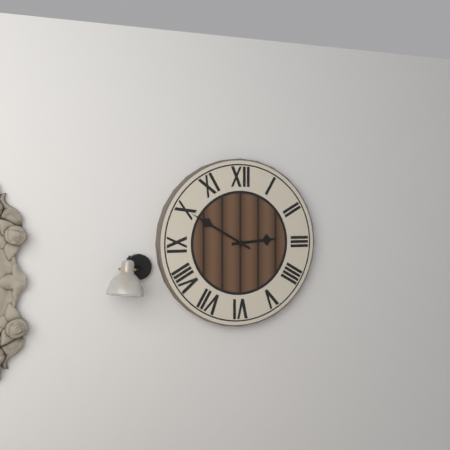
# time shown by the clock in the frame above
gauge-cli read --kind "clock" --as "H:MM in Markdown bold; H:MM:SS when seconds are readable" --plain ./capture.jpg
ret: **2:50**
